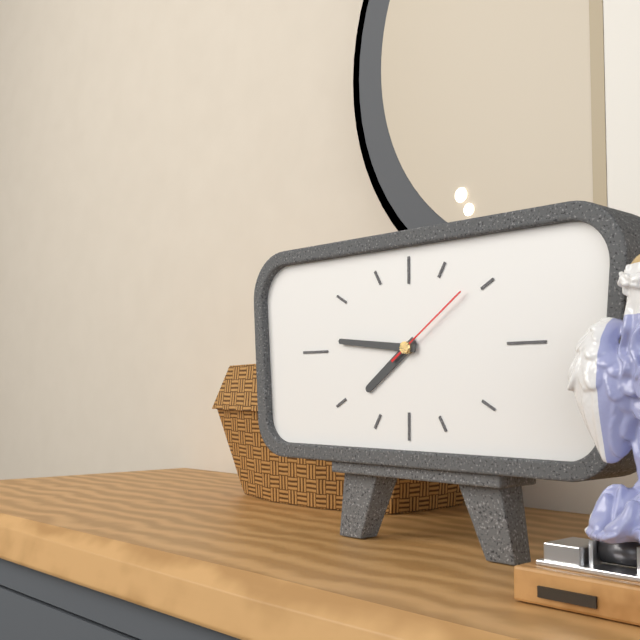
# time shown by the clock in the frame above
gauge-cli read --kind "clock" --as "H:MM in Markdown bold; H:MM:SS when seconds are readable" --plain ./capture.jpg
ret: **7:46:09**
